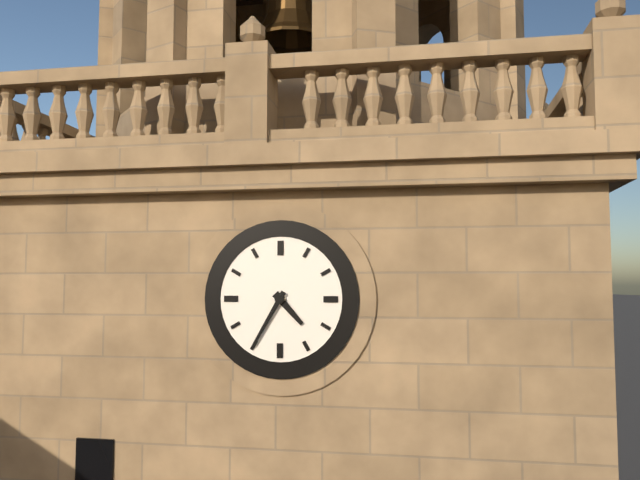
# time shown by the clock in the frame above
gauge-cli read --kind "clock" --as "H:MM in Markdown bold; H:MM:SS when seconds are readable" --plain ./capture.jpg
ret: **4:35**
